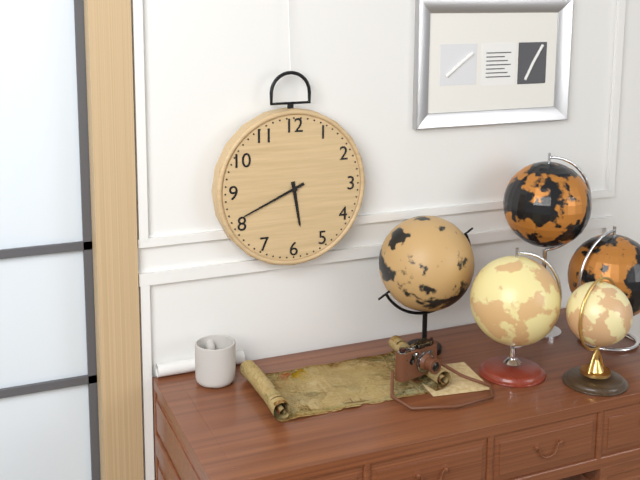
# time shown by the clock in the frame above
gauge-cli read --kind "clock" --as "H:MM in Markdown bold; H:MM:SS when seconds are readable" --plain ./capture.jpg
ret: **5:41**
